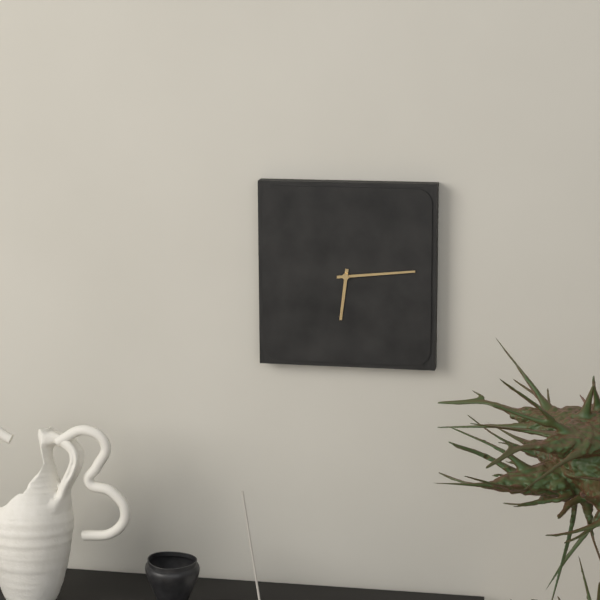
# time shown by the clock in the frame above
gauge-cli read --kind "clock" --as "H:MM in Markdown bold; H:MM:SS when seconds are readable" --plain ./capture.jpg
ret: **6:14**
